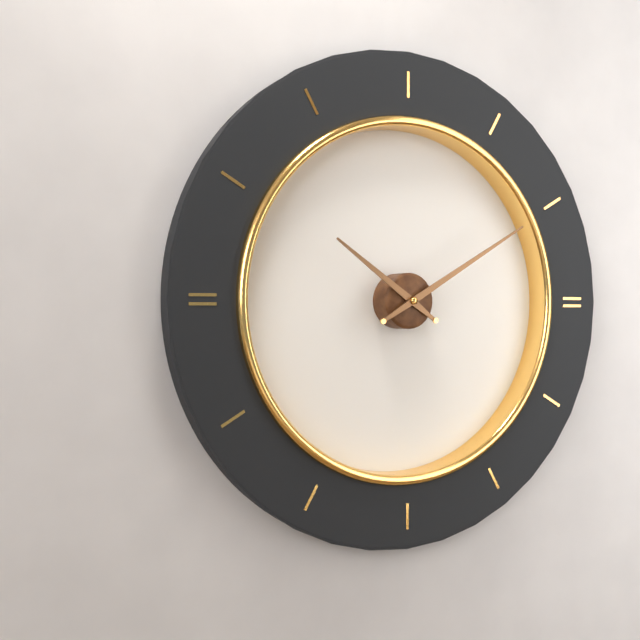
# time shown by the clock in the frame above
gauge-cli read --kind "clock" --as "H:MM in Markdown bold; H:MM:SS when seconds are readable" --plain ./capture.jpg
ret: **10:10**
